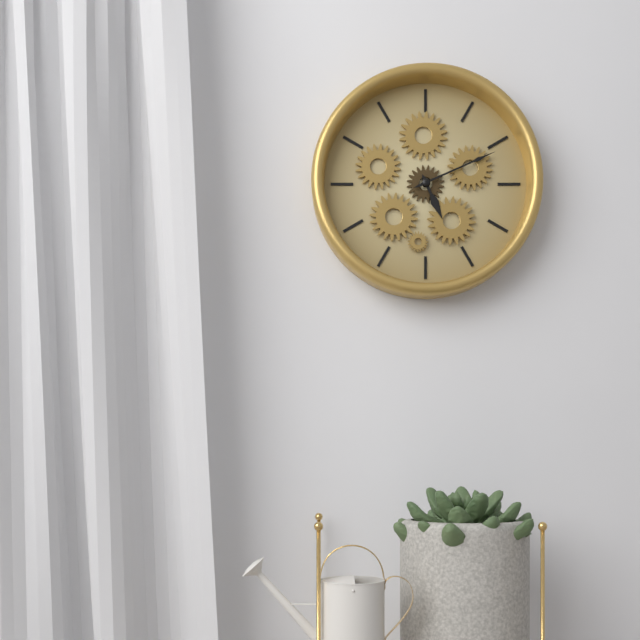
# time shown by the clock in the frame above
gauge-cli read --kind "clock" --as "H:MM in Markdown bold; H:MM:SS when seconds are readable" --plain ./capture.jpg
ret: **5:11**
